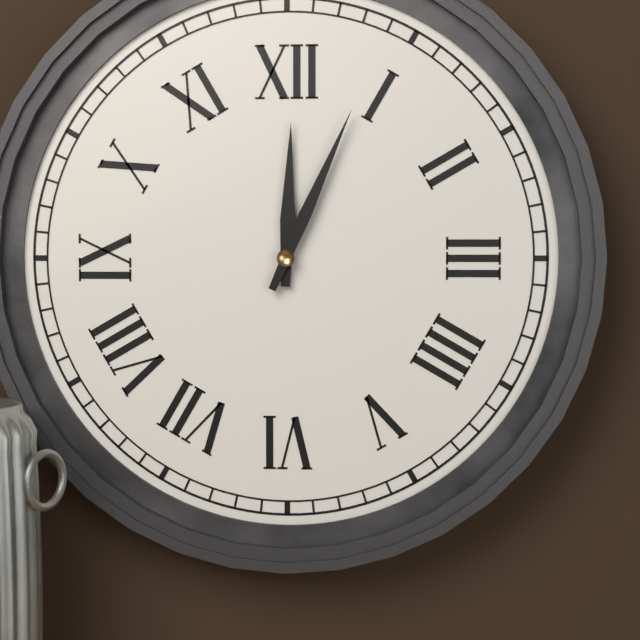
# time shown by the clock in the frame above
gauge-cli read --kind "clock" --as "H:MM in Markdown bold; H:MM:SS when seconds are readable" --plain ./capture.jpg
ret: **12:04**
